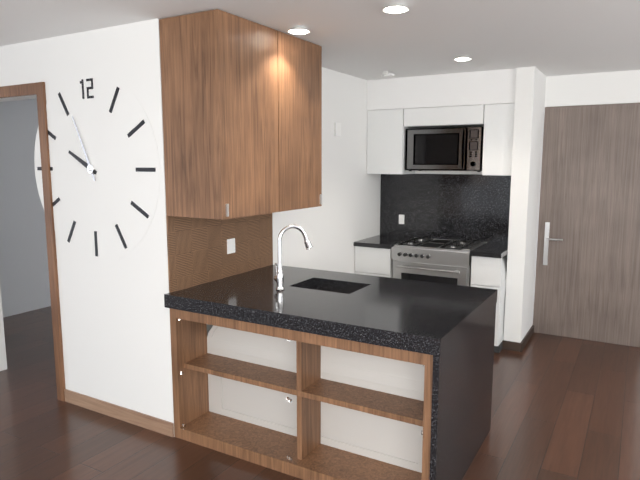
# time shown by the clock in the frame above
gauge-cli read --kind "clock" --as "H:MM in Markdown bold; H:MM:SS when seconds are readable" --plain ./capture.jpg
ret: **9:56**
